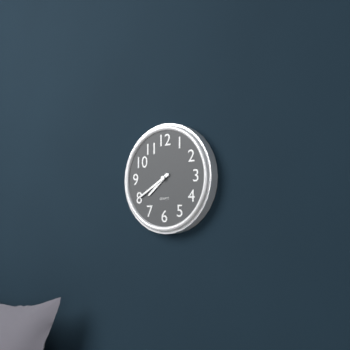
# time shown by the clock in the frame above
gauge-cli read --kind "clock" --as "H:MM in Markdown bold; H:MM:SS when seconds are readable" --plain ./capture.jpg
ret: **7:40**
